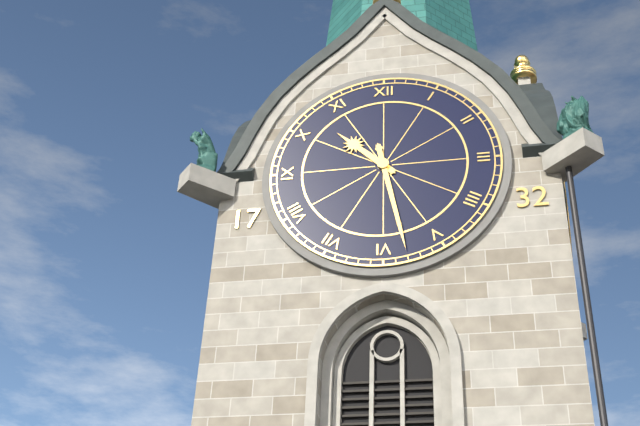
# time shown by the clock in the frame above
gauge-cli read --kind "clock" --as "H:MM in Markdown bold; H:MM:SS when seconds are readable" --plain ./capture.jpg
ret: **10:28**
